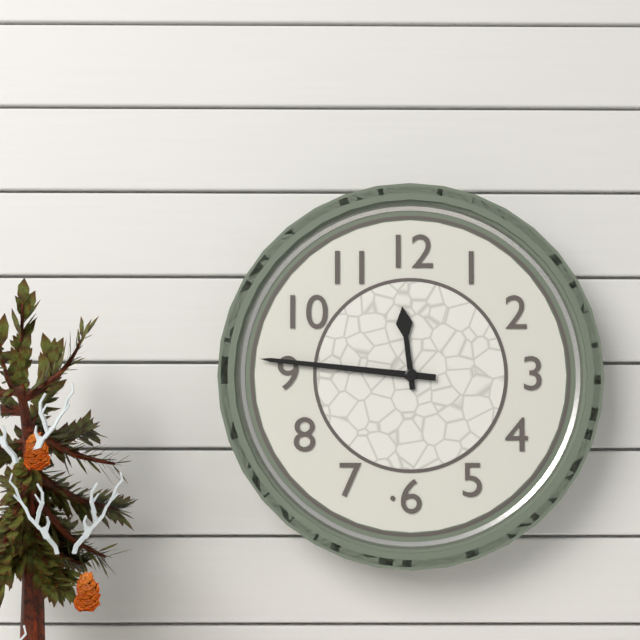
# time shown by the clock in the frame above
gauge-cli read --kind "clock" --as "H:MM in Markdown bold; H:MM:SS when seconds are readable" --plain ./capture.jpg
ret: **11:46**
